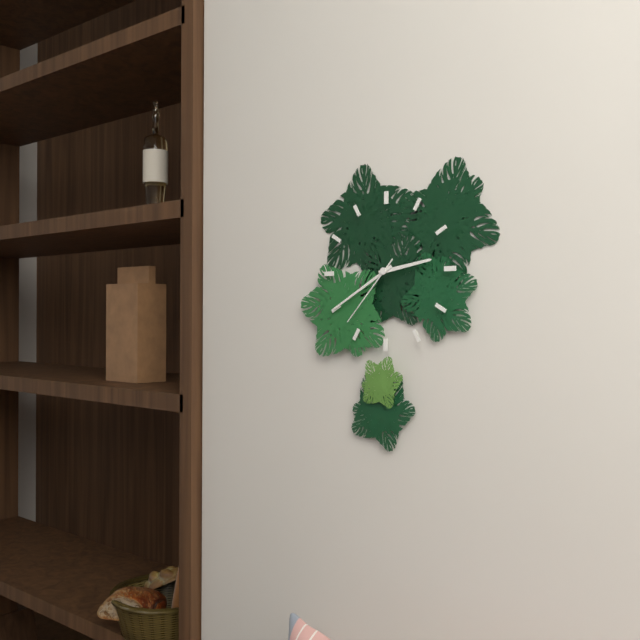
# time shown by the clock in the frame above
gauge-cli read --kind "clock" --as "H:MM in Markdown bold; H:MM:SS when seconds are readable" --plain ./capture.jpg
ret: **2:40:37**
